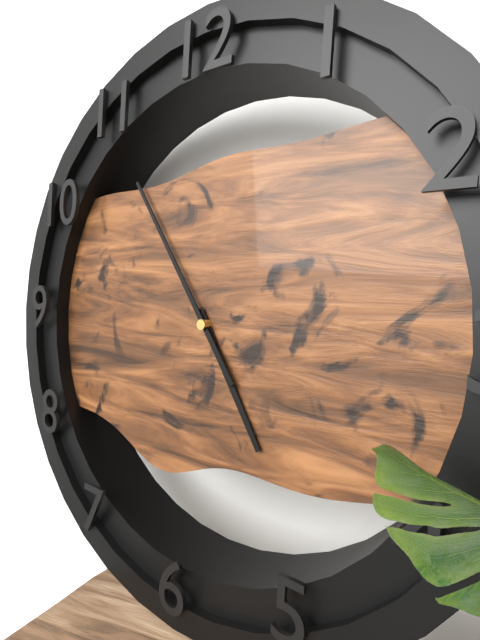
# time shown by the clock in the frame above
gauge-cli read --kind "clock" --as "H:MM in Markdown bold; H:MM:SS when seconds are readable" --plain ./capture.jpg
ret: **4:54**
